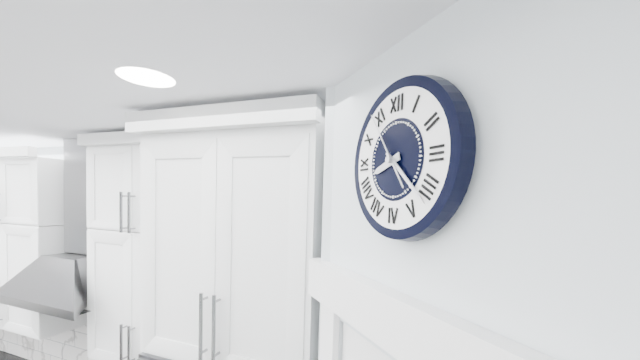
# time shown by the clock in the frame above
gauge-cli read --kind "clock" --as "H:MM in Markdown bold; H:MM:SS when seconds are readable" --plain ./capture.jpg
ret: **8:22:54**
